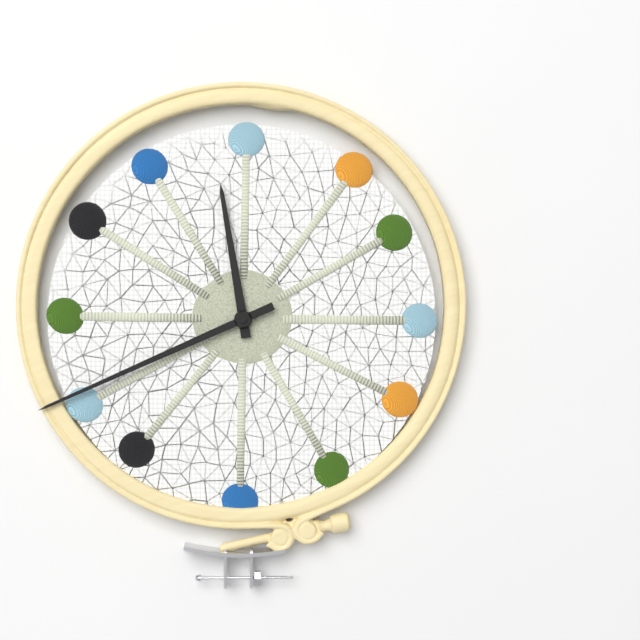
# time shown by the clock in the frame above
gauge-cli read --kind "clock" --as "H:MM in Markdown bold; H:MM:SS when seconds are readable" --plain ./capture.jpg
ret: **11:41**
